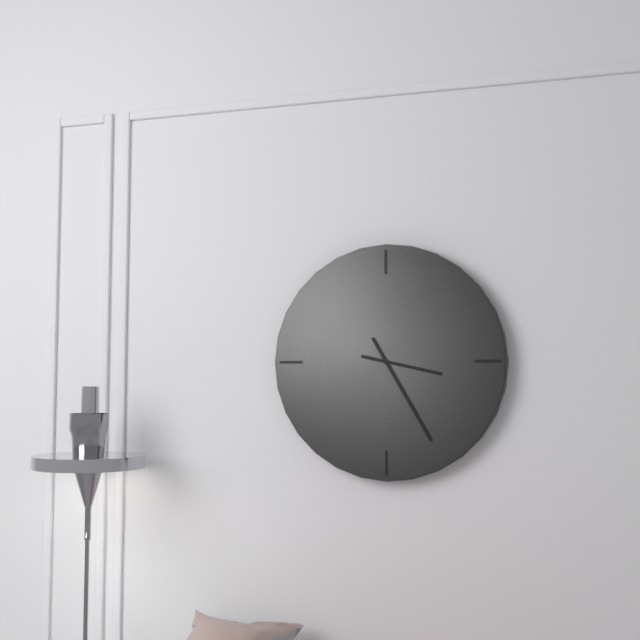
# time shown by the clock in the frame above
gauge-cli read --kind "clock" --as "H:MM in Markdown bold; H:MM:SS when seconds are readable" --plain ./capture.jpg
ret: **3:25**
